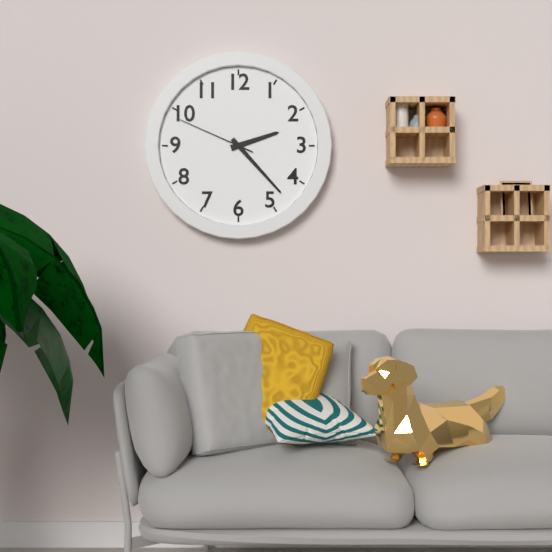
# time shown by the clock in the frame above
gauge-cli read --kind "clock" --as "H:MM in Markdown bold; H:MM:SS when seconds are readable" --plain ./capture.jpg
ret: **2:23:49**
